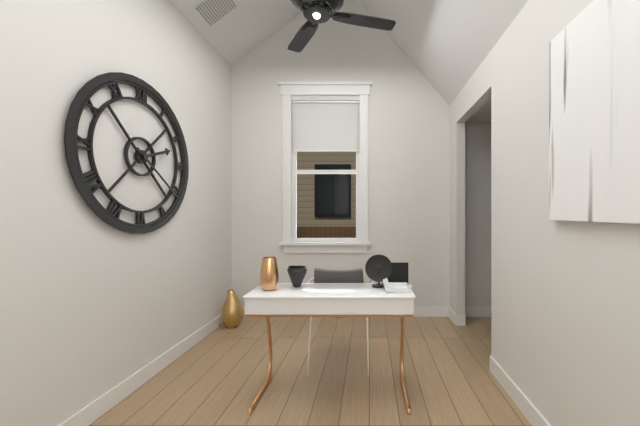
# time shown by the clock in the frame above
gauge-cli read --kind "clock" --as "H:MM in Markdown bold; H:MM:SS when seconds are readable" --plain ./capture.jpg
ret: **2:21**
